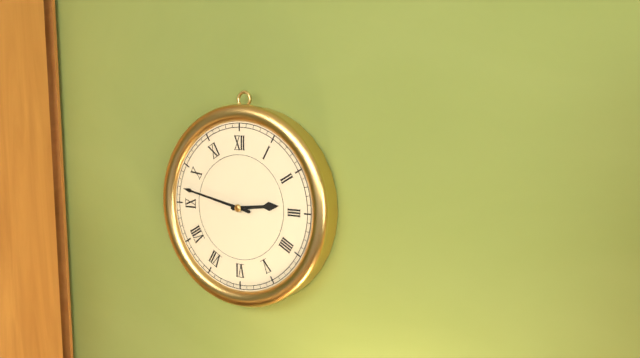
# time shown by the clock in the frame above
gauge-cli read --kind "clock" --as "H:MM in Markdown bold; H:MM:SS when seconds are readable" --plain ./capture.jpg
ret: **2:47**
